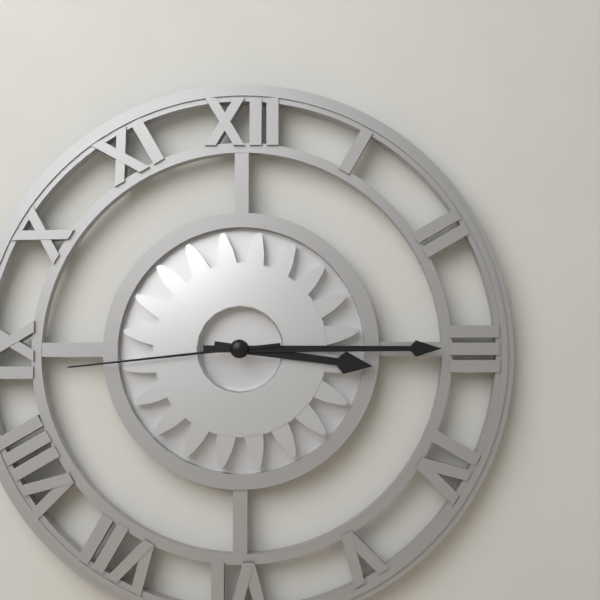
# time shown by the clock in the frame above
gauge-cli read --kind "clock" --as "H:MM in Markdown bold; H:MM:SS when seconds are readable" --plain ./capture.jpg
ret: **3:15:44**
